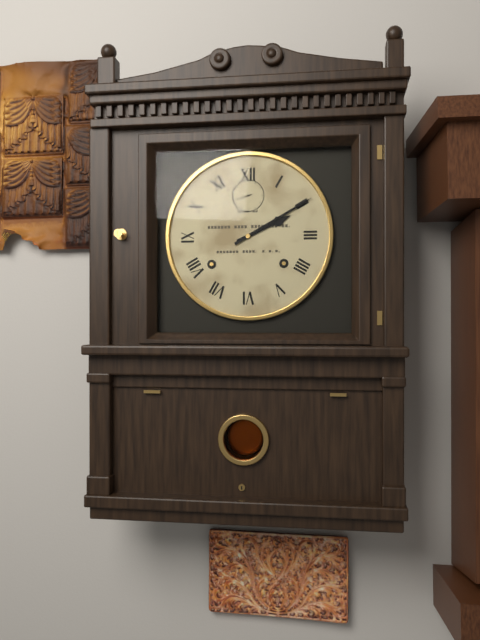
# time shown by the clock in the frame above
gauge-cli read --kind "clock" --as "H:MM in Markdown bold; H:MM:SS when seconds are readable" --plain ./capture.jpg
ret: **2:10**
